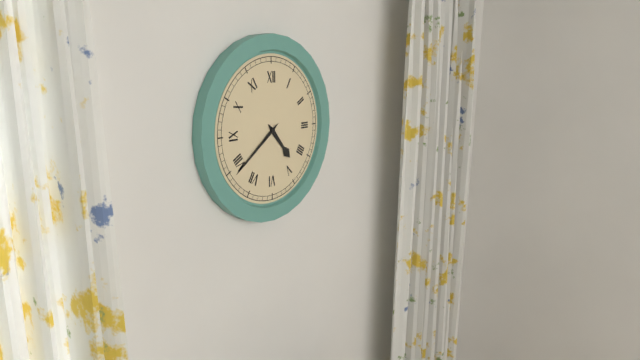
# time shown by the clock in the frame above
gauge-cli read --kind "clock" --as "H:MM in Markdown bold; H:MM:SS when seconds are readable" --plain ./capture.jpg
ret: **4:39**
